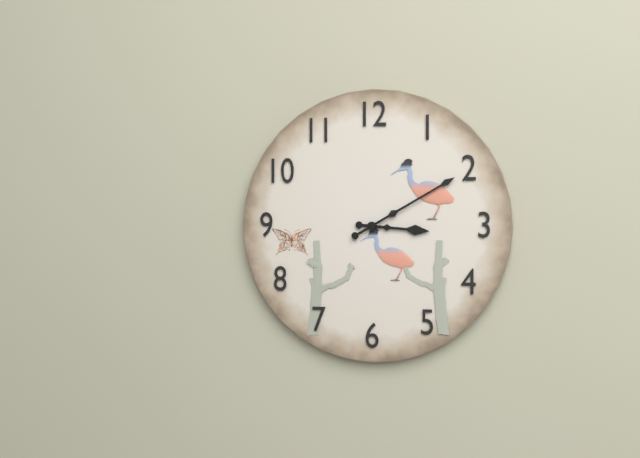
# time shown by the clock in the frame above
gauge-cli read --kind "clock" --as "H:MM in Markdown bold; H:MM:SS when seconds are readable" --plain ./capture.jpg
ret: **3:10**
